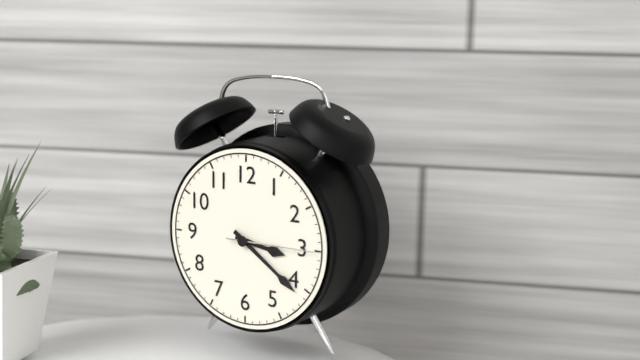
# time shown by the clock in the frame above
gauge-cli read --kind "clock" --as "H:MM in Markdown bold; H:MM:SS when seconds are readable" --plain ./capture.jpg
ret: **3:21:15**
